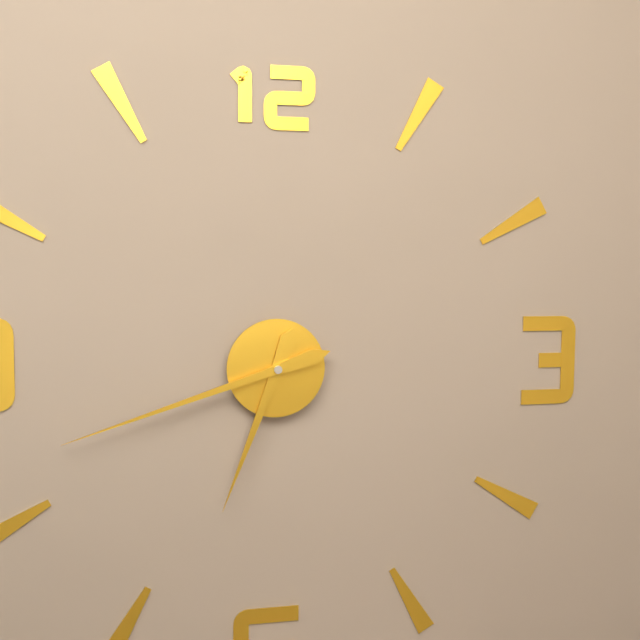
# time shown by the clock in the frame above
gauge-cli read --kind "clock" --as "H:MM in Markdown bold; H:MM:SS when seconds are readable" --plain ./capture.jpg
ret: **6:42**
